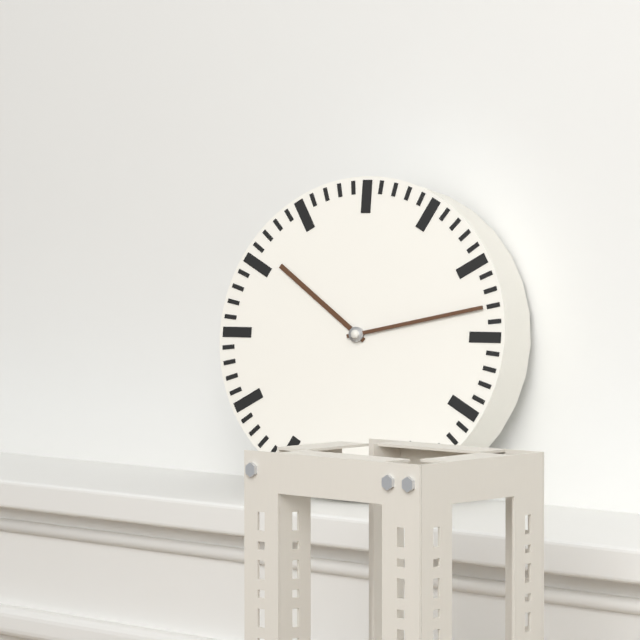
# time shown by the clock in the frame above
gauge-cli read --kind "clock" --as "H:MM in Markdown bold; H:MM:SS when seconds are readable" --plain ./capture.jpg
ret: **10:13**
